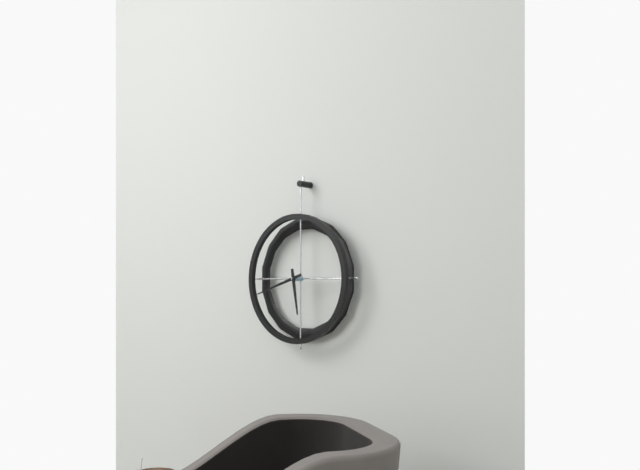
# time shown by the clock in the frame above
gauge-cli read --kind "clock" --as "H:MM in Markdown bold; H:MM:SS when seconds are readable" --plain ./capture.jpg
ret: **5:42**
